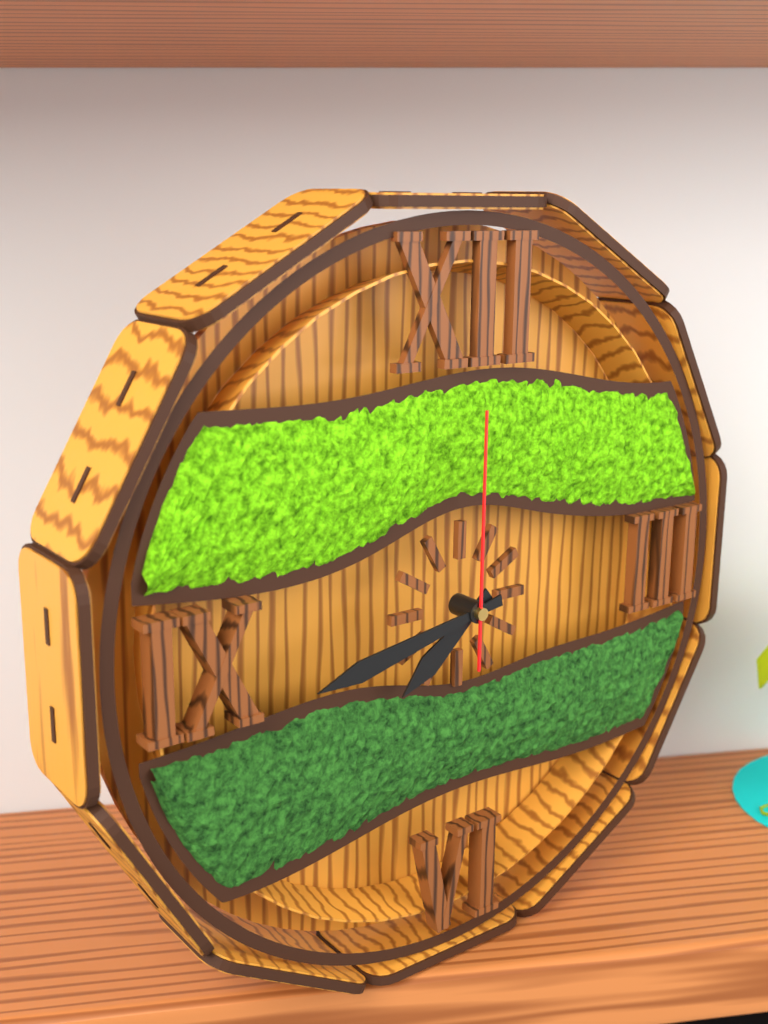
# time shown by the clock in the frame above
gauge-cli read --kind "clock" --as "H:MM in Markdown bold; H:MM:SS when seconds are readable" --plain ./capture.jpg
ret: **7:43:00**
